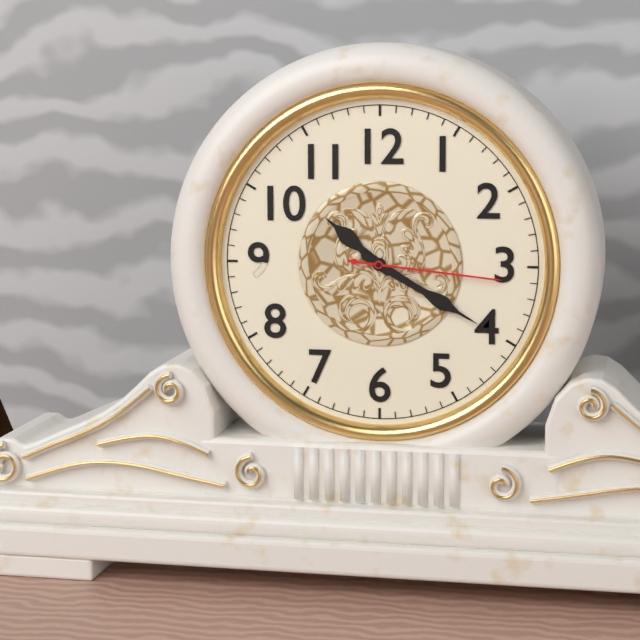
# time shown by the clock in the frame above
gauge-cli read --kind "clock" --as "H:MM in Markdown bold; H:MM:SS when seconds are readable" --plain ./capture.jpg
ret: **10:20:16**
